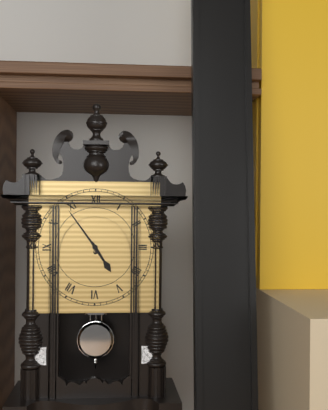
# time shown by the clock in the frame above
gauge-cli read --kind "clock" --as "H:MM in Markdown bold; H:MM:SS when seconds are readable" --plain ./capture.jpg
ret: **4:54**
